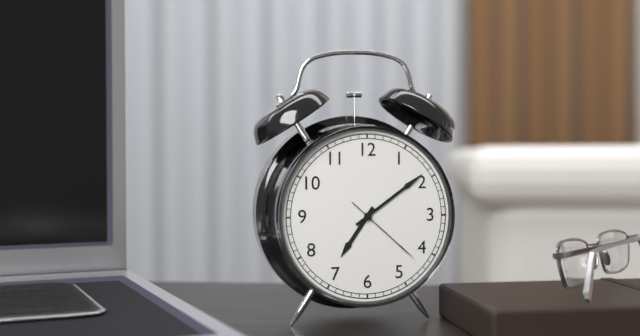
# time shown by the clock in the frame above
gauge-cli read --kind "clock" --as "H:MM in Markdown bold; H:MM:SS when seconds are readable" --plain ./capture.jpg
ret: **7:09:22**
